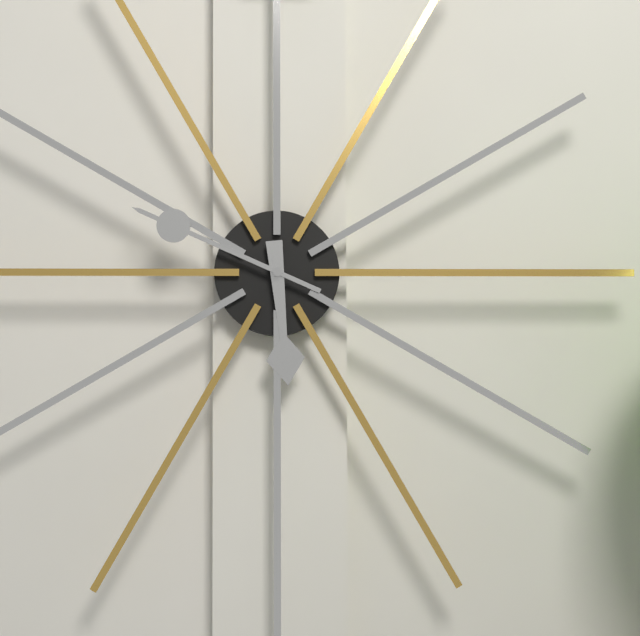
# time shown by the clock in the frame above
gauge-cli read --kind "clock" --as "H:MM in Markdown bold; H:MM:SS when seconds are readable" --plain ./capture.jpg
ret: **5:49**
